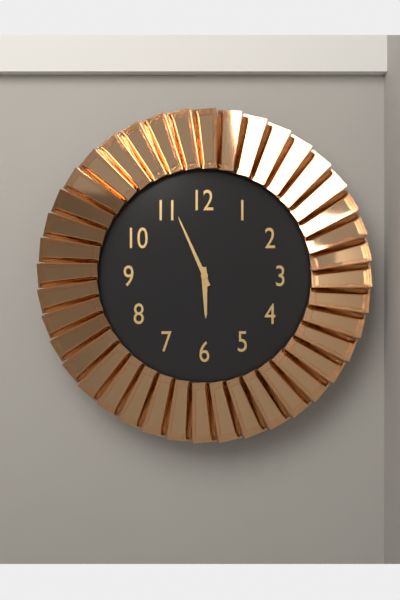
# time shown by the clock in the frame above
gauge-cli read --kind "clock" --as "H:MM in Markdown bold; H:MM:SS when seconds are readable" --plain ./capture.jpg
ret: **5:56**
